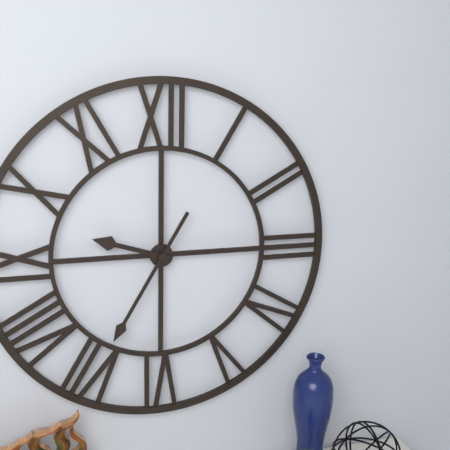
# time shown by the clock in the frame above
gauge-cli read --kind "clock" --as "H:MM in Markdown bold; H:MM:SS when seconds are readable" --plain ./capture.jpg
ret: **9:35**
